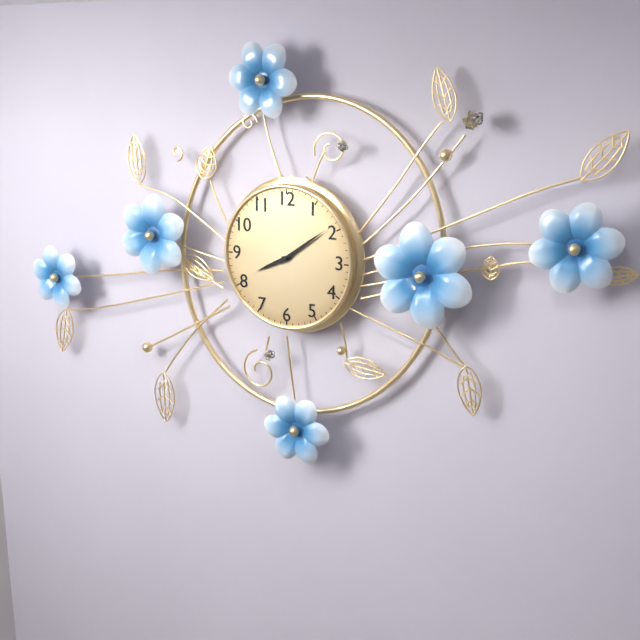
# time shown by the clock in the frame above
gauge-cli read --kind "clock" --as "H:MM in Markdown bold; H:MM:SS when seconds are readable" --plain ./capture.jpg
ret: **8:09**
